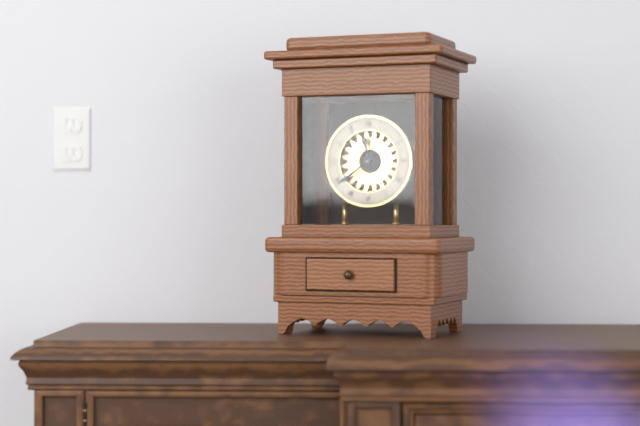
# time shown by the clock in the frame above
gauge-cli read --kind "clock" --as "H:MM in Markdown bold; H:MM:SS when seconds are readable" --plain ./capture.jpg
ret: **11:39**
